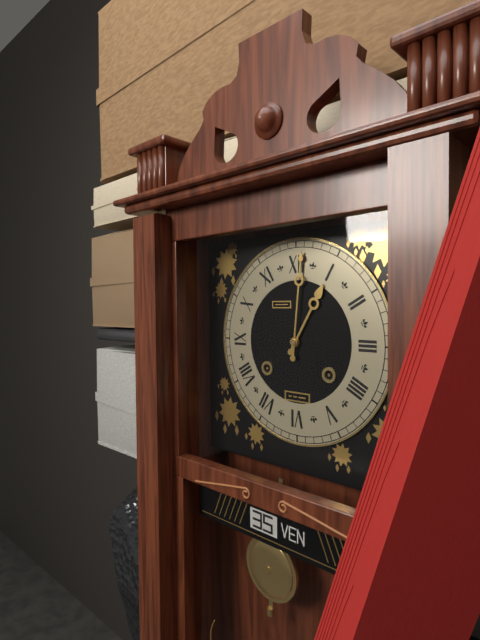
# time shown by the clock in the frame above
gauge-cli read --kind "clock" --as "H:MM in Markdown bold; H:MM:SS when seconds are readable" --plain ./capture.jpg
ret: **1:01**
